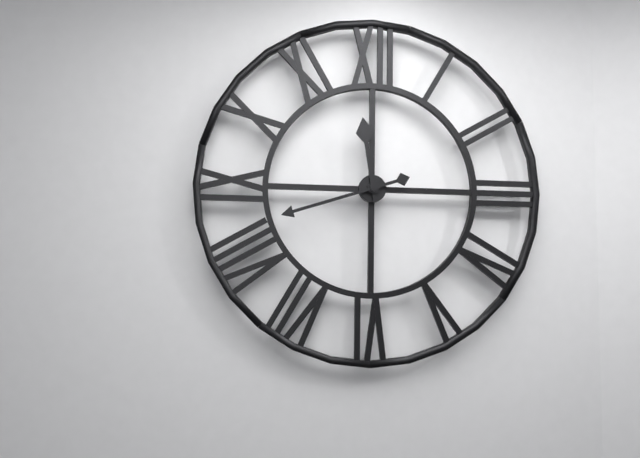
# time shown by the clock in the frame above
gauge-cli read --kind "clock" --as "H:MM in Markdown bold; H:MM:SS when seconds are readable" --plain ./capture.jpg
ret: **11:42**
